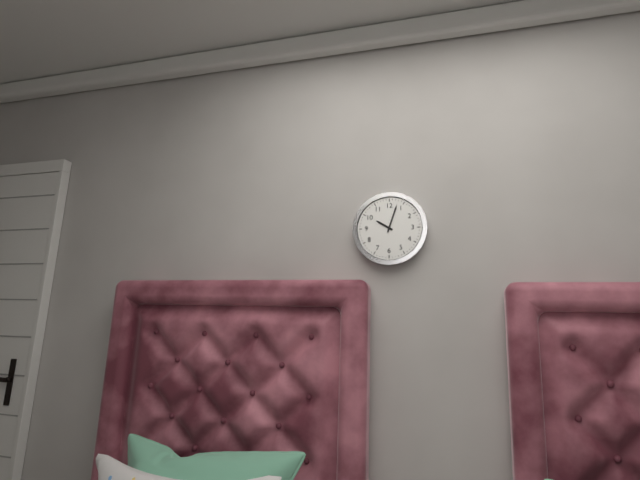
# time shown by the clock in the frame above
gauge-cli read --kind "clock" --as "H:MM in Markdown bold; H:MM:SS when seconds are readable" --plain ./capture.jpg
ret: **10:03**
